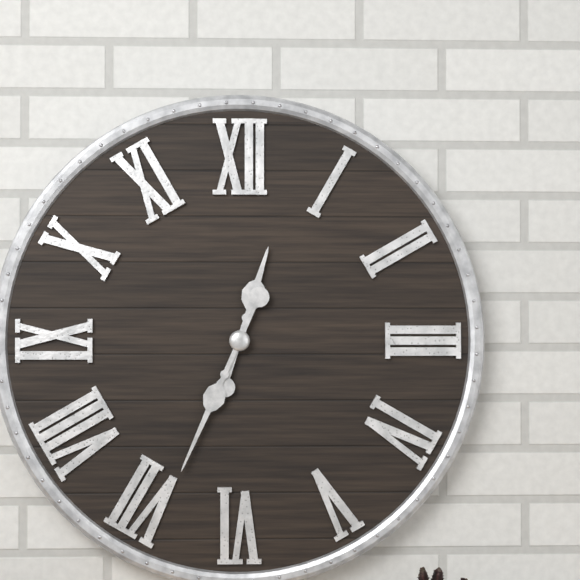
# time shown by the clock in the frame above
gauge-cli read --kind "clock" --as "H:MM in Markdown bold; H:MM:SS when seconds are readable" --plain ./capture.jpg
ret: **12:34**
